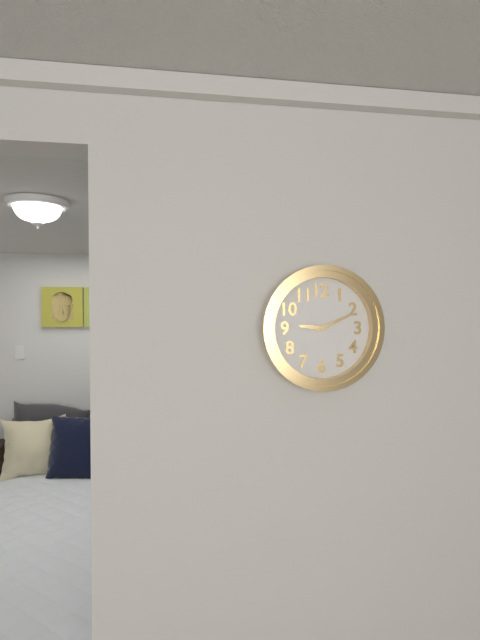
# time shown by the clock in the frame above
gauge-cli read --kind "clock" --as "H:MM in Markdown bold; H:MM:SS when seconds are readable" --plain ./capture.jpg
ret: **9:11**
